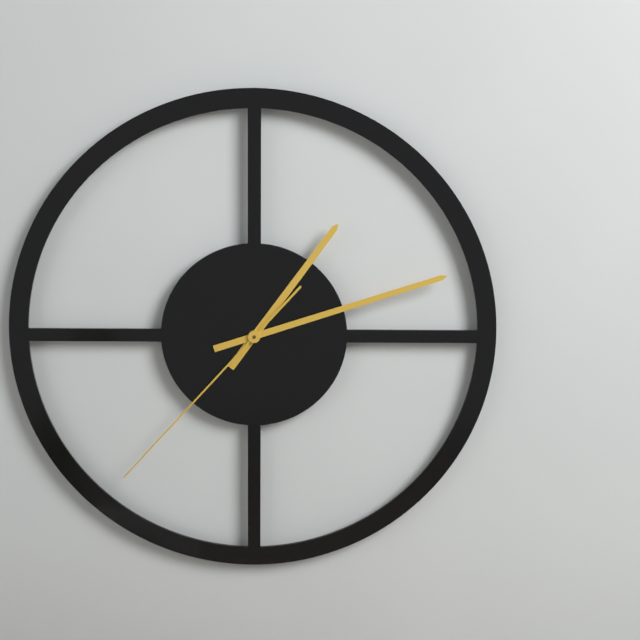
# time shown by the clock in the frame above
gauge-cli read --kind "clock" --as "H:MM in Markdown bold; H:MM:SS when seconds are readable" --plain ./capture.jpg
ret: **1:12:37**
